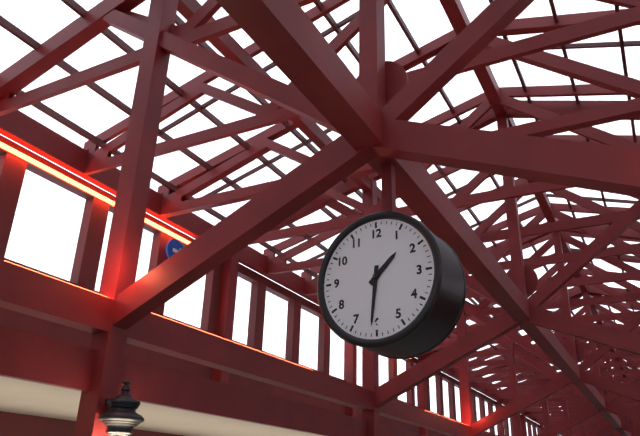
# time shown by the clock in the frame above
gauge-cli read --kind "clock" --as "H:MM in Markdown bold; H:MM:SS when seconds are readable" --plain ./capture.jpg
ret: **1:31**
